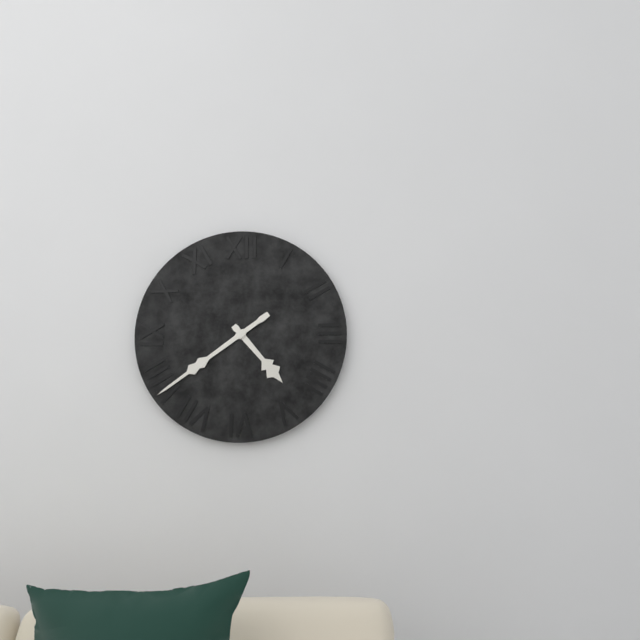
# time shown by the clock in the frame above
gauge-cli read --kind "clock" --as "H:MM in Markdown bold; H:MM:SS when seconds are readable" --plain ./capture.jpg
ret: **4:39**
